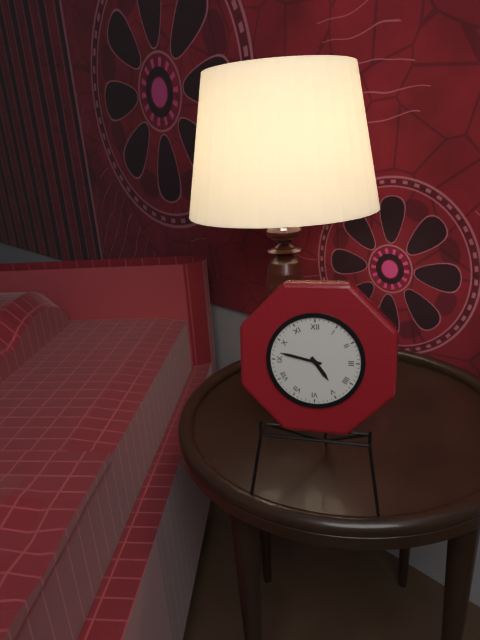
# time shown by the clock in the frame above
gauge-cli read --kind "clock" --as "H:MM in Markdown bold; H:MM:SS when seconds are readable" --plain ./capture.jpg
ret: **4:47**
